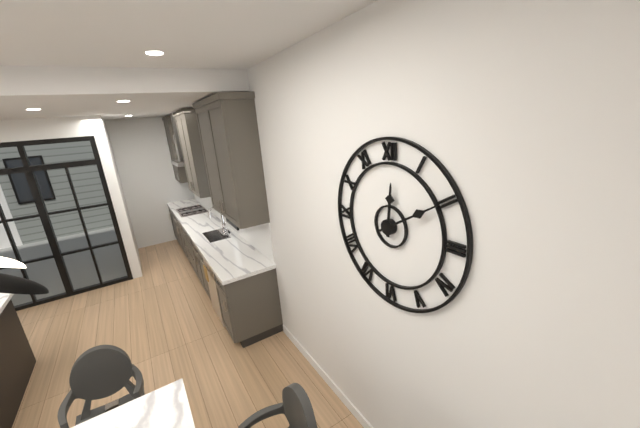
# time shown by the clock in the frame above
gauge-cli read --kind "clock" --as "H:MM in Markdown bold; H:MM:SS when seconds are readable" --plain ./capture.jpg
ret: **12:10**
